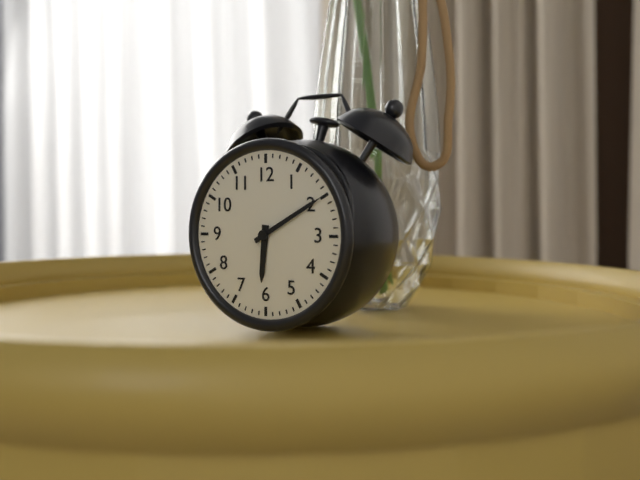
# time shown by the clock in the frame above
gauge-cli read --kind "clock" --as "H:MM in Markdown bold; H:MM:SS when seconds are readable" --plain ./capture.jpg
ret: **6:10**
